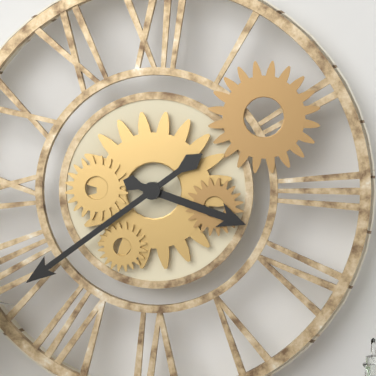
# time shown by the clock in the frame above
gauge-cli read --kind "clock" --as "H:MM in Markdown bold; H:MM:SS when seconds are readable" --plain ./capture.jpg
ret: **3:39**
